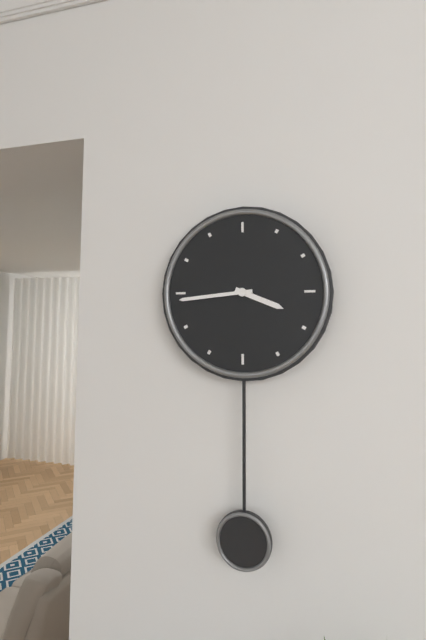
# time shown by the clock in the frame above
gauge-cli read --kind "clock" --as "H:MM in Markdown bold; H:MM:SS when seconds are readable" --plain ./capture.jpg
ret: **3:44**
